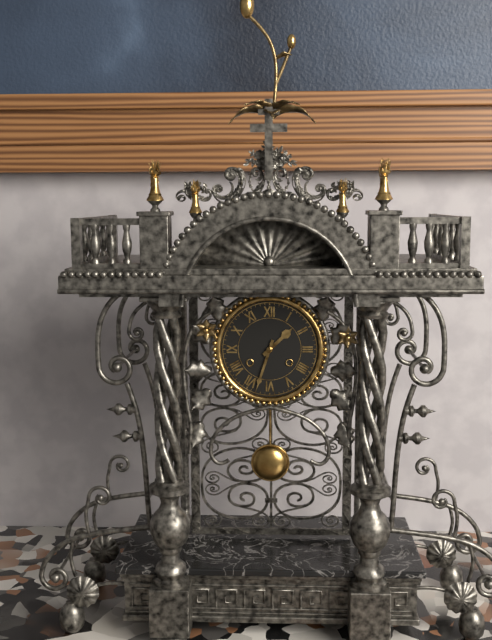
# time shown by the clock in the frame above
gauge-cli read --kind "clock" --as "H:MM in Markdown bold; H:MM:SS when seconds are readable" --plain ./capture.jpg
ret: **1:33**
